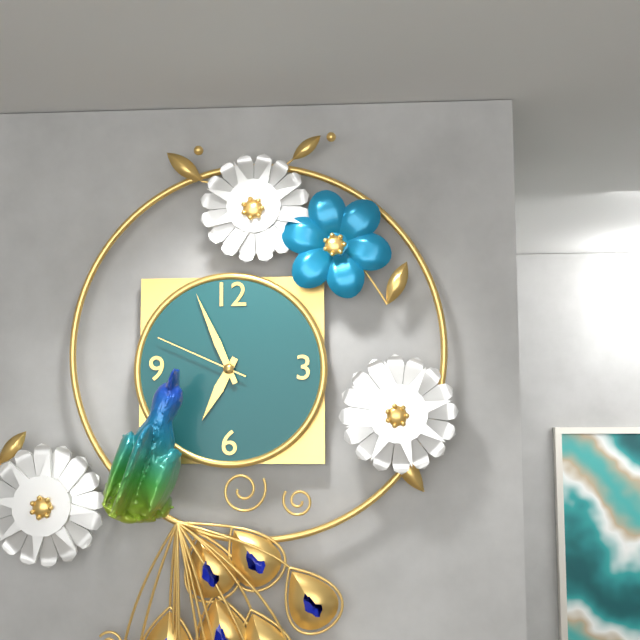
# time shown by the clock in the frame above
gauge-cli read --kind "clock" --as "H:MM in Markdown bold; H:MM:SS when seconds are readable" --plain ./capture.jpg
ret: **6:56:49**
